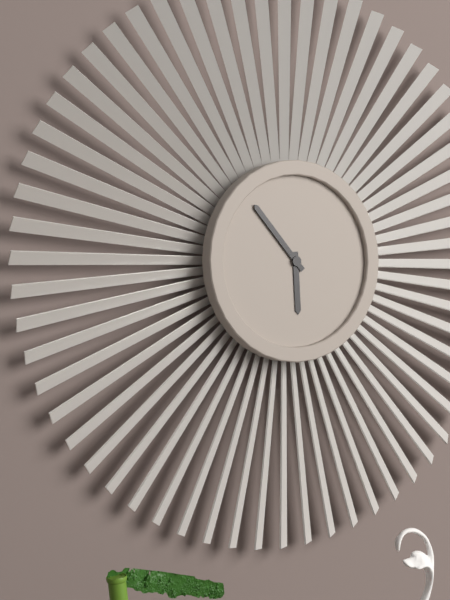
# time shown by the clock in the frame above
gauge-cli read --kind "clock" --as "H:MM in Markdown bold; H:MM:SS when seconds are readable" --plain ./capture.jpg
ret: **5:53**
